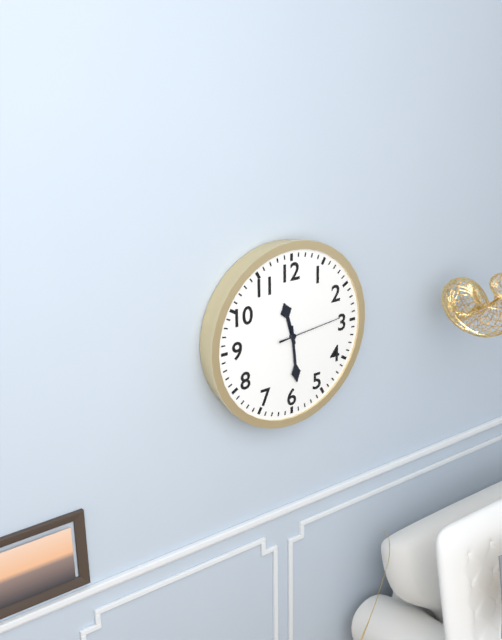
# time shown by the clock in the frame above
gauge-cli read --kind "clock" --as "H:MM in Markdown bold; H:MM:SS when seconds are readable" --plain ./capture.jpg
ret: **11:29:14**
